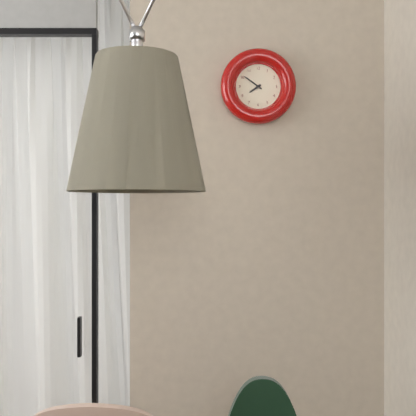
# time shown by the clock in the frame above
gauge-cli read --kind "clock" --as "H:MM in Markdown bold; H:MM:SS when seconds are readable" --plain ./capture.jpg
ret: **7:51**
